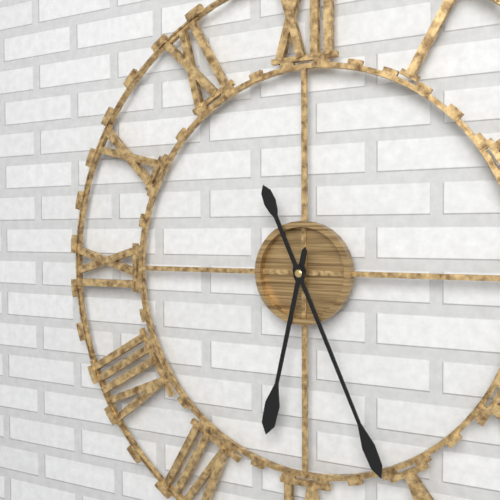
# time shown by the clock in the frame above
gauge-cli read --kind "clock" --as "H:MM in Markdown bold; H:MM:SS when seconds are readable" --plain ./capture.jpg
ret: **6:26**
